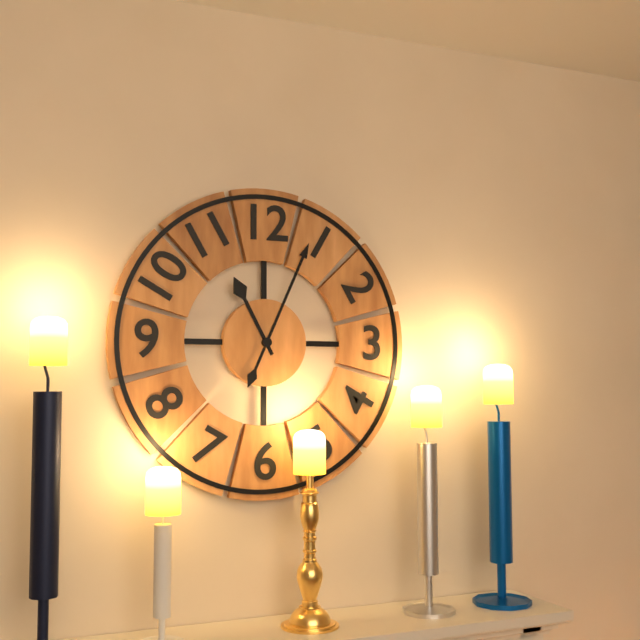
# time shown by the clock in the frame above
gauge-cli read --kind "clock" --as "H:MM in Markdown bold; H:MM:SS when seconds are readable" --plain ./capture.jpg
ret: **11:04**
